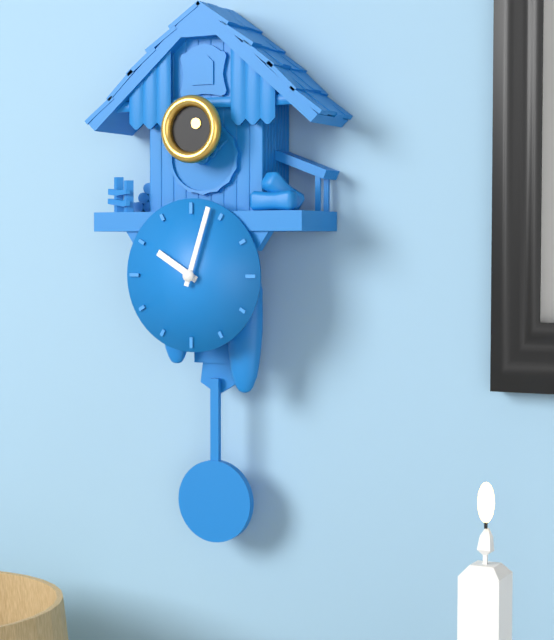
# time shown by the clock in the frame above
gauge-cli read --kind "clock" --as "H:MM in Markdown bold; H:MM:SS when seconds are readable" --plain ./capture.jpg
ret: **10:03**
